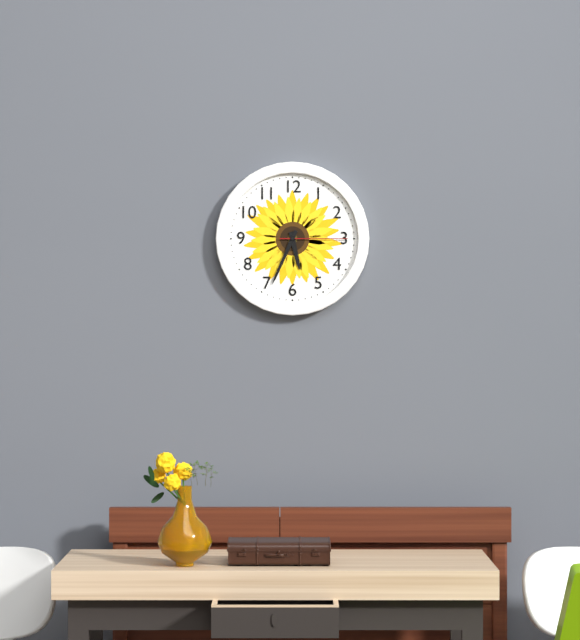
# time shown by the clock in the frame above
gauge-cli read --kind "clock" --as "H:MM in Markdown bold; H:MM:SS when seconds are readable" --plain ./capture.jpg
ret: **5:34:15**
